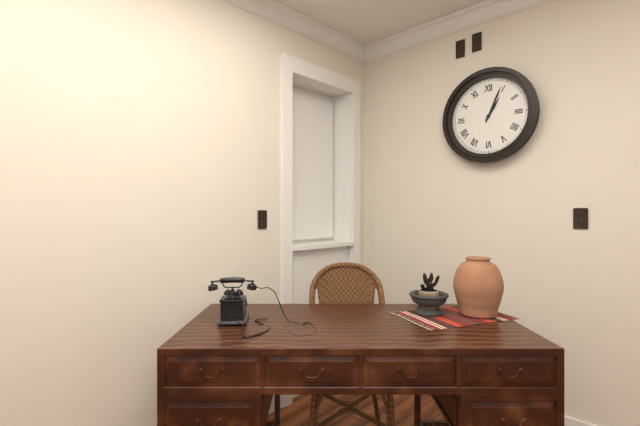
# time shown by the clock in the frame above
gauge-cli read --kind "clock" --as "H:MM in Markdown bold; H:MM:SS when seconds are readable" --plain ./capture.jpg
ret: **1:04**
